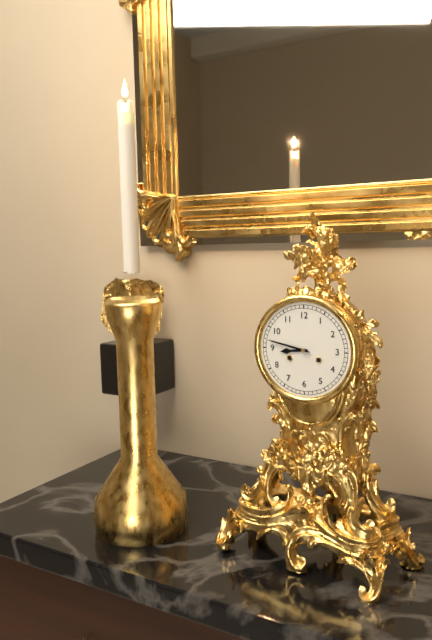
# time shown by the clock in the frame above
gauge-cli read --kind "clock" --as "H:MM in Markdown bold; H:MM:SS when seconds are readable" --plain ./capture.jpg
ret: **8:47**
